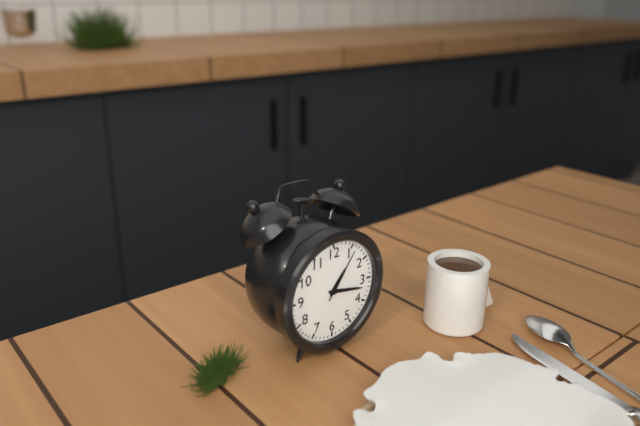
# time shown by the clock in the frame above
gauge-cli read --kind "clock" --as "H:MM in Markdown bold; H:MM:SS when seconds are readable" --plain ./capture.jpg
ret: **1:17:06**
